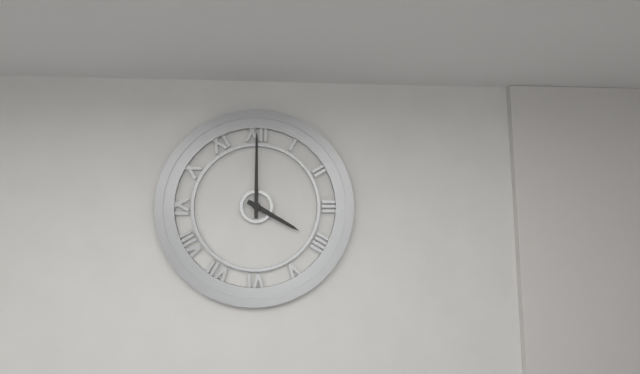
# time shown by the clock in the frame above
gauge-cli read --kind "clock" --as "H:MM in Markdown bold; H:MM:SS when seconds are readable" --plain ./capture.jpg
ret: **4:00**
